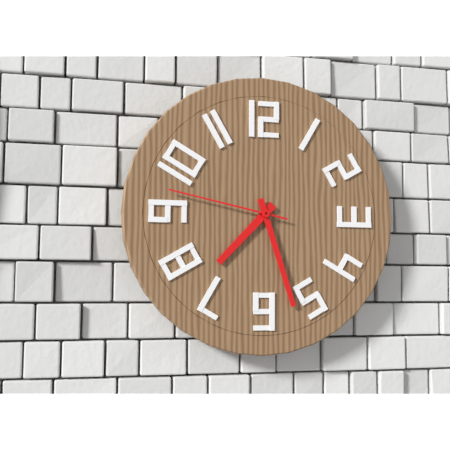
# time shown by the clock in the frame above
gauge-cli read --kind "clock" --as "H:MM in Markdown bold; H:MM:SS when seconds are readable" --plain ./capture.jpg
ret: **7:27:47**
